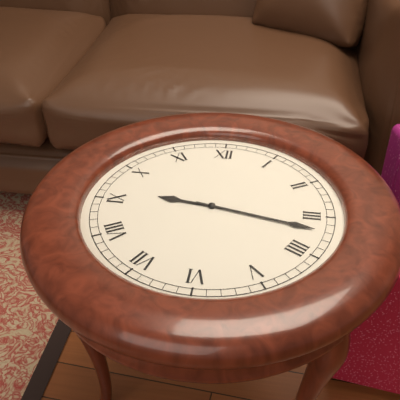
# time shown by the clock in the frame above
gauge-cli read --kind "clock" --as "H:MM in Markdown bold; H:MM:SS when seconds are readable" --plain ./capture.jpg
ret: **9:17**
